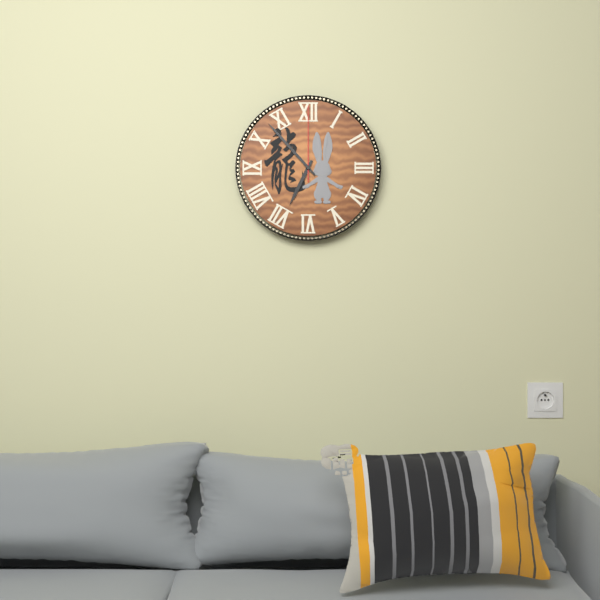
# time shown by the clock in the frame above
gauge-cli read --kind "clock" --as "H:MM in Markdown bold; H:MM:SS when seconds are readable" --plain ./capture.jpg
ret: **6:53:00**
